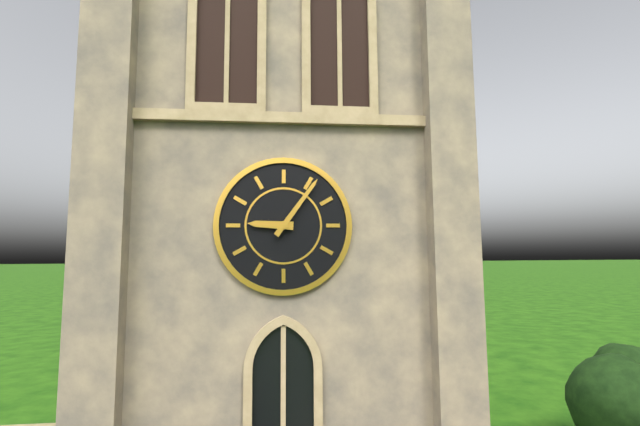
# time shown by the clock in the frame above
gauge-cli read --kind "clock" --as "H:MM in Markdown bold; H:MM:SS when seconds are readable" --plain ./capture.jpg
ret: **9:06**
